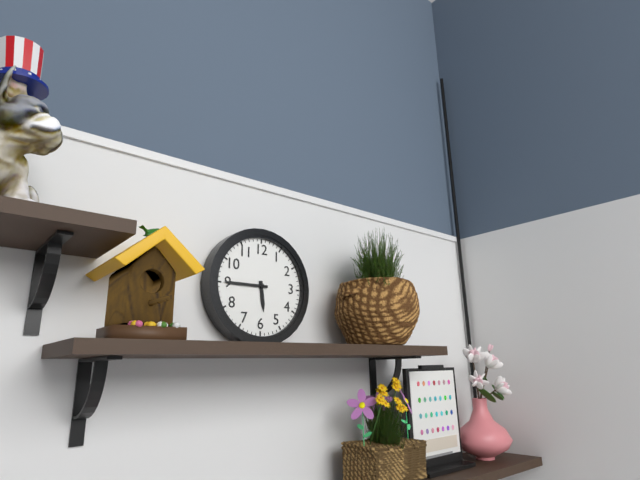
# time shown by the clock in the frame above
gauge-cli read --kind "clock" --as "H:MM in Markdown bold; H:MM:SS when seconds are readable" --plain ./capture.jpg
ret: **5:45**
